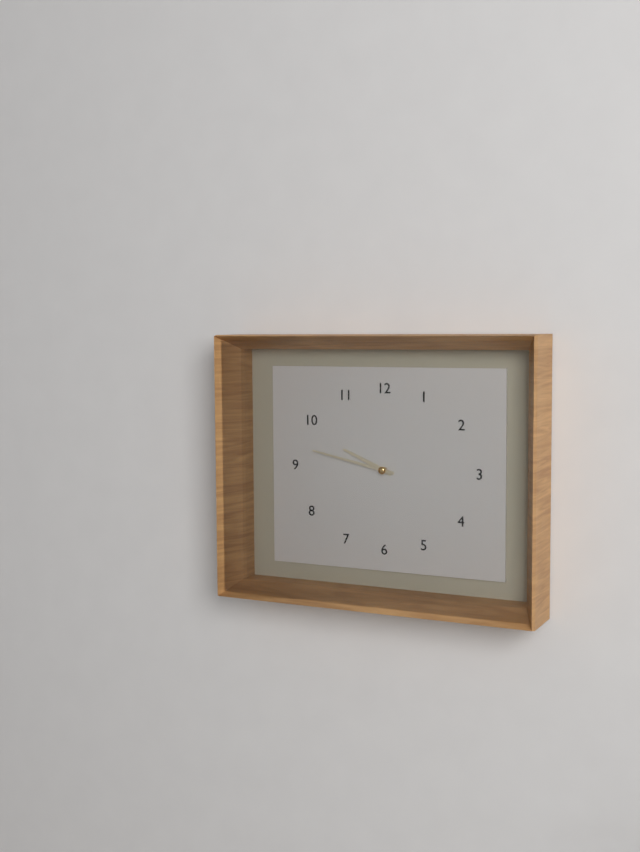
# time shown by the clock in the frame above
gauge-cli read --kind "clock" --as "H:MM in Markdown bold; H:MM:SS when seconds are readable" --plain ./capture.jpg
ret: **9:47**
